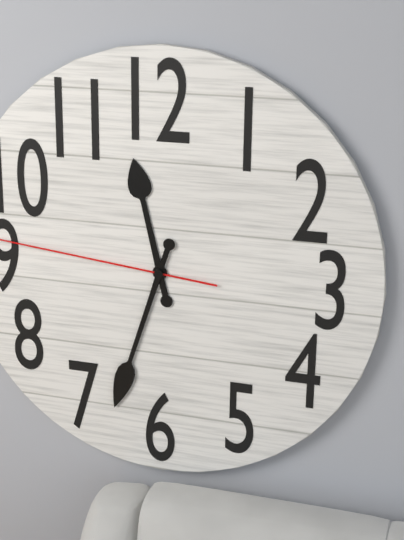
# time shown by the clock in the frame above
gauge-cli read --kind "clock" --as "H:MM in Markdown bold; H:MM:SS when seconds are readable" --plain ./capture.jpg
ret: **11:33**
